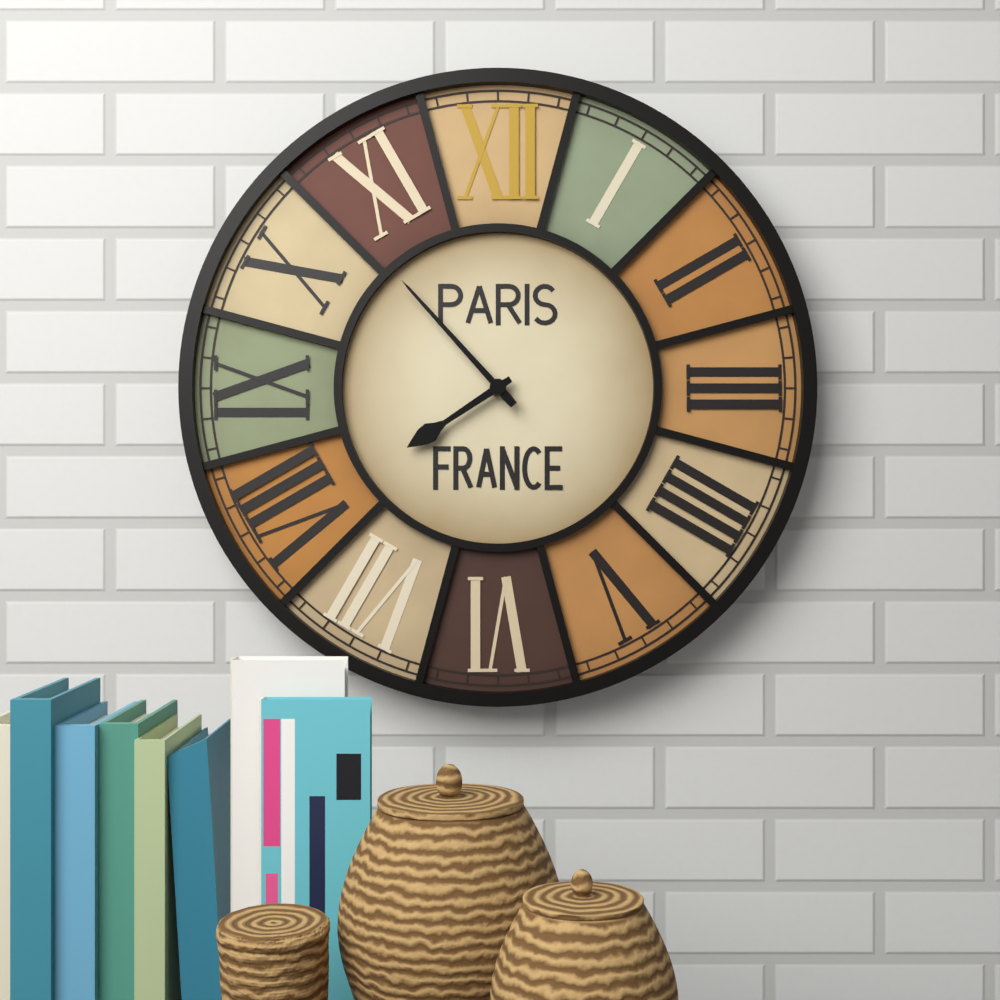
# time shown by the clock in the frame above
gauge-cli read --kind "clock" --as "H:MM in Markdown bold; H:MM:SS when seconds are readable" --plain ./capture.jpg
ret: **7:53**
